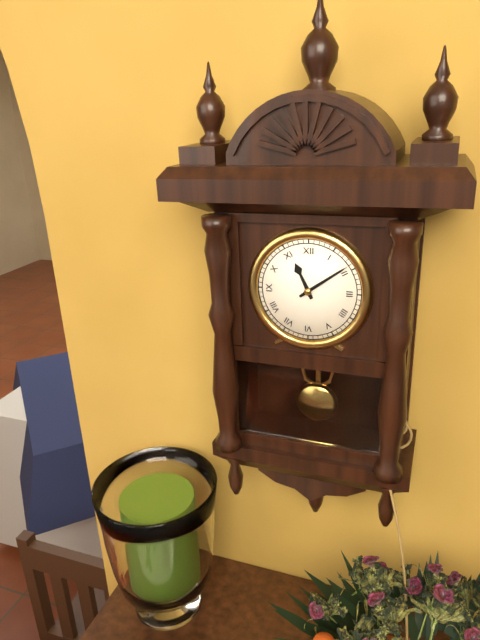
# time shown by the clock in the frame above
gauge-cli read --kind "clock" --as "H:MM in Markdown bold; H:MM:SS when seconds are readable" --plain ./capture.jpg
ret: **11:09**
